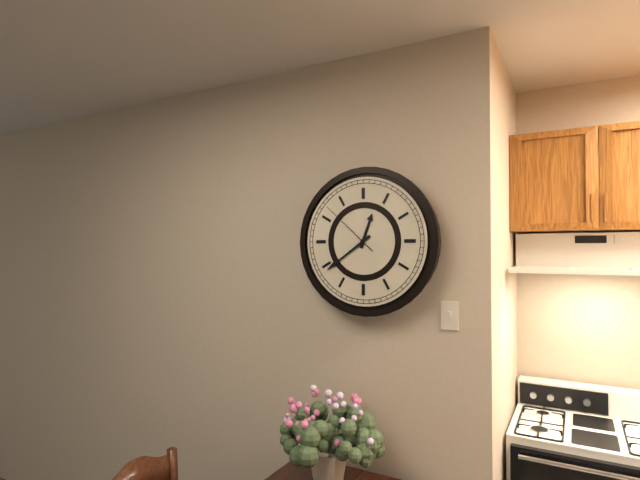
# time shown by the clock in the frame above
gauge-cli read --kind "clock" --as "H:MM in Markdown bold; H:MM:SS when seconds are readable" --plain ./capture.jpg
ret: **12:39:52**
